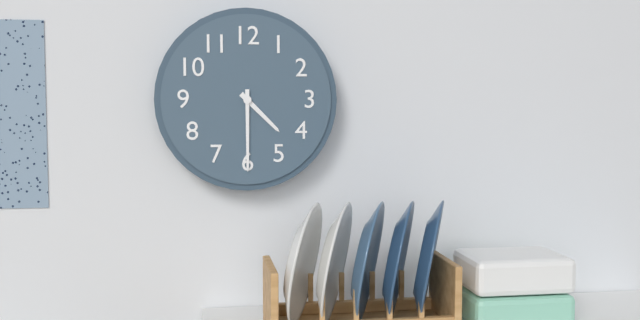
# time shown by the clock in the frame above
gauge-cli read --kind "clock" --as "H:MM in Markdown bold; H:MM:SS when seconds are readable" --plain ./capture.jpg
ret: **4:30**
